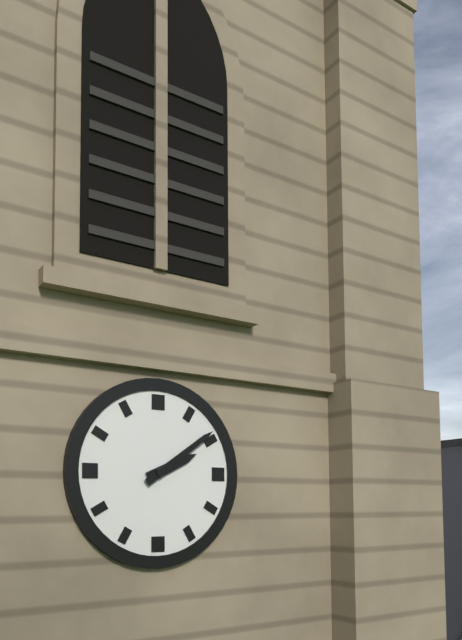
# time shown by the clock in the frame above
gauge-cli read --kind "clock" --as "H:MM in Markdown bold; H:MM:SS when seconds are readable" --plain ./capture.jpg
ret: **2:09**
